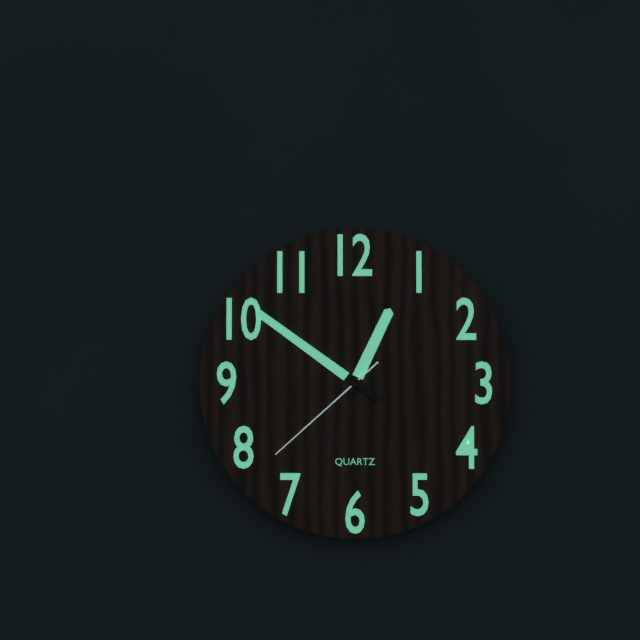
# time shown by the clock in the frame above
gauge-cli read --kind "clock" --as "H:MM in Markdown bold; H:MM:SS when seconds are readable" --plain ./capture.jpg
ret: **12:51:38**
